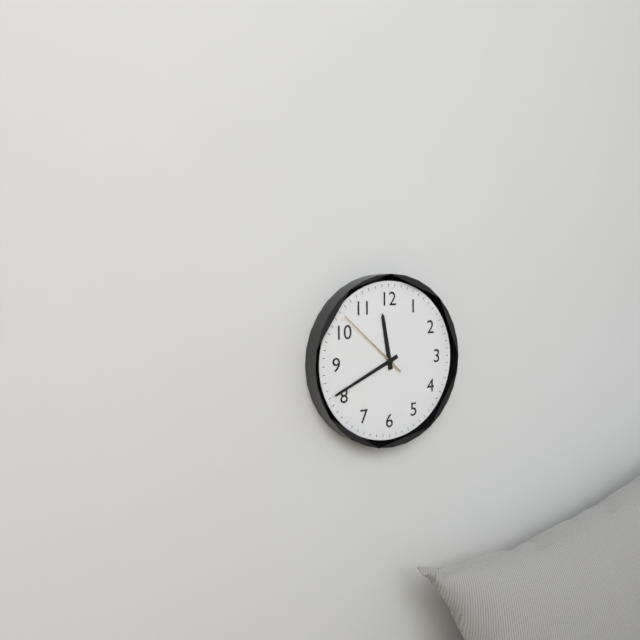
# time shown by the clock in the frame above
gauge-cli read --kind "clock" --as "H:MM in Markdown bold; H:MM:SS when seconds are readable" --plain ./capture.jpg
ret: **11:41:52**
